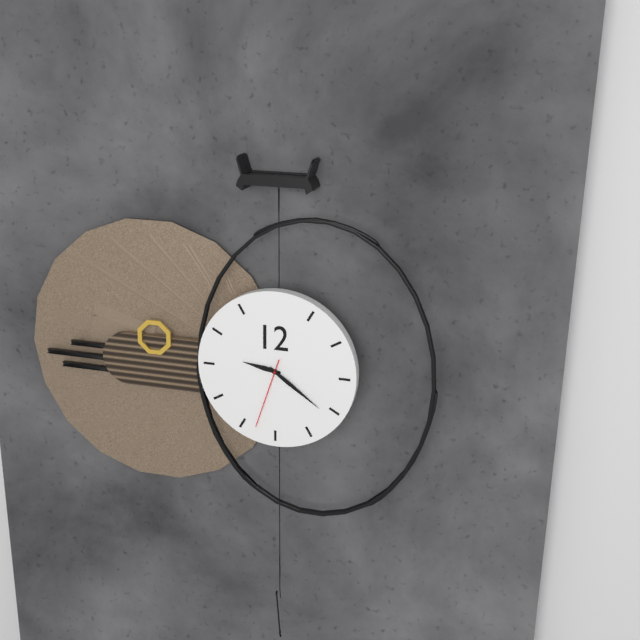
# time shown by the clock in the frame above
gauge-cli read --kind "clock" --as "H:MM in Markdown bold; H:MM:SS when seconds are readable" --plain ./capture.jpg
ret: **9:21:33**
